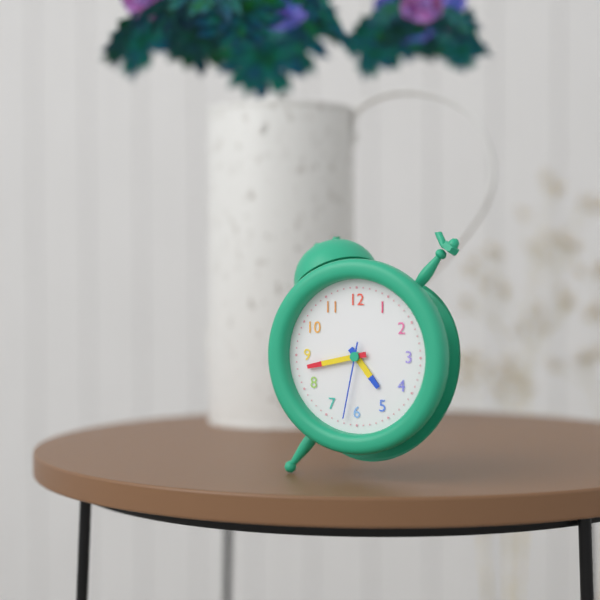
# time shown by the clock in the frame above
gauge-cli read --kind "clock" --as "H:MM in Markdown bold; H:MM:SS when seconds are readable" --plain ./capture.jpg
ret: **4:43:32**
